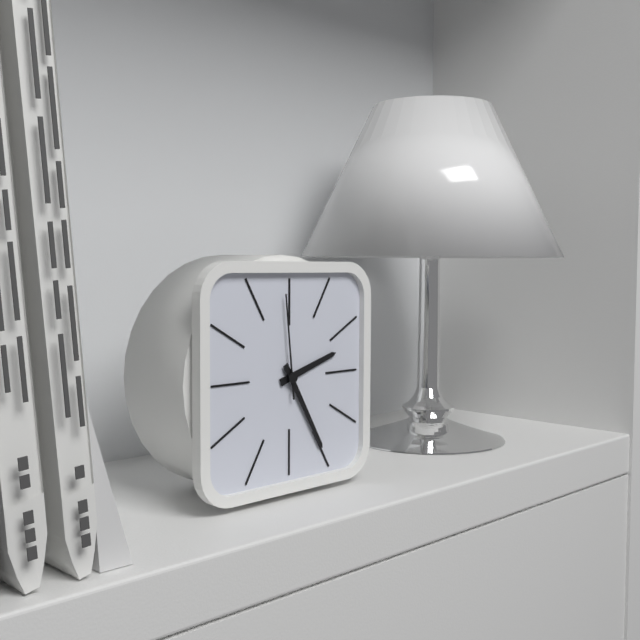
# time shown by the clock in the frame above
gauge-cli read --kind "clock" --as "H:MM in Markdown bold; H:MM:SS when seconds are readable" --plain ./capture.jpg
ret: **2:25:59**
